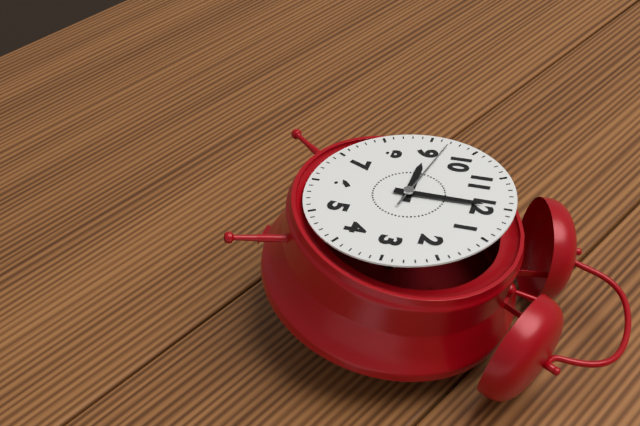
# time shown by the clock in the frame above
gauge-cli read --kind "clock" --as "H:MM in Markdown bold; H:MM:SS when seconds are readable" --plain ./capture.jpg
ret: **9:00:47**
